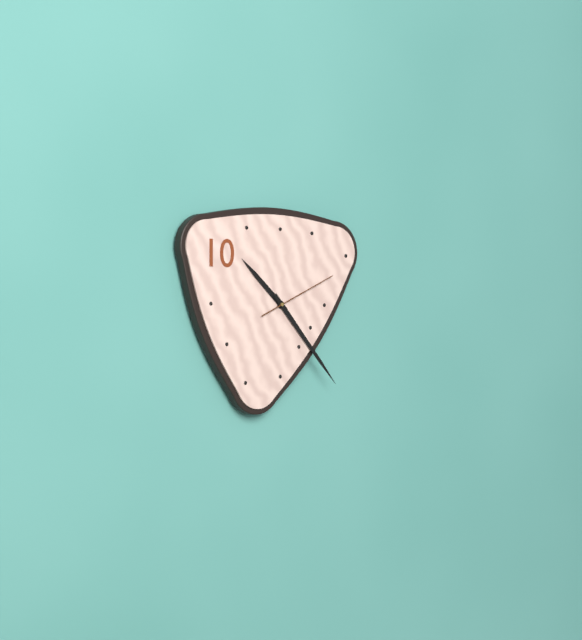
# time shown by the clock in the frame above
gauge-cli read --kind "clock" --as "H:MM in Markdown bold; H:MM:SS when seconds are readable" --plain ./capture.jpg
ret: **10:23:11**
